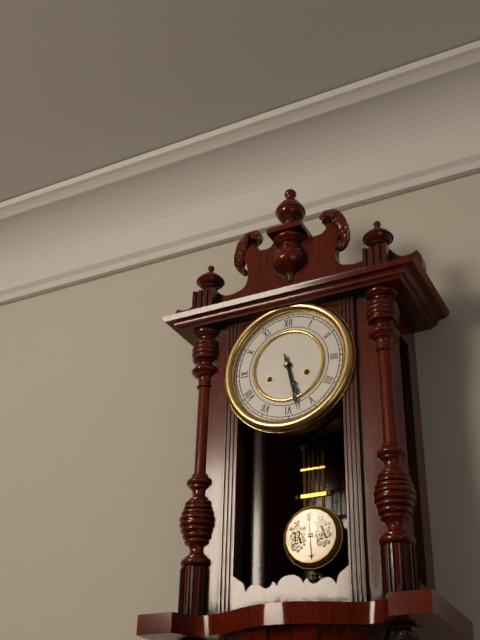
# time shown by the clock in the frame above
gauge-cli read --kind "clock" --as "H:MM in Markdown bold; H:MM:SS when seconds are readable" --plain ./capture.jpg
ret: **5:28**
